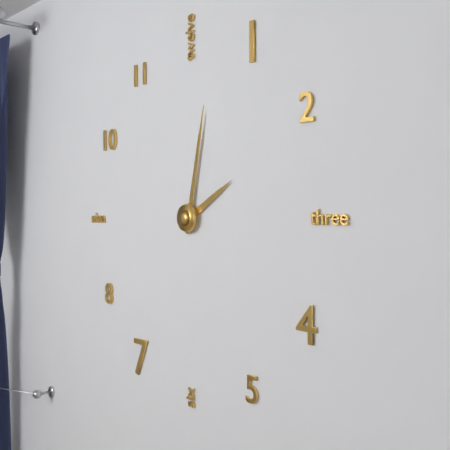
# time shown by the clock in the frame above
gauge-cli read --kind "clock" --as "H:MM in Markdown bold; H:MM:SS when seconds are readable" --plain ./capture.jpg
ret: **2:02**
